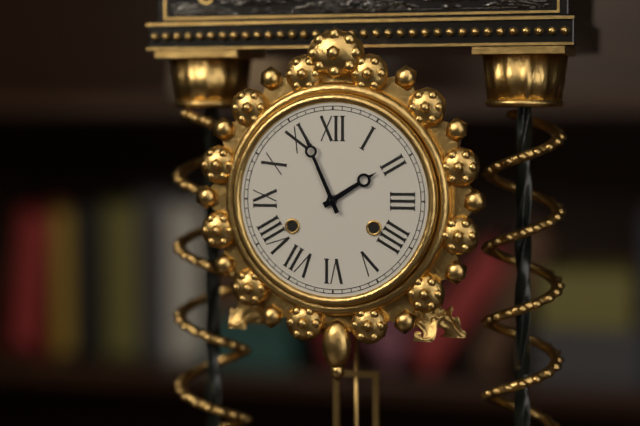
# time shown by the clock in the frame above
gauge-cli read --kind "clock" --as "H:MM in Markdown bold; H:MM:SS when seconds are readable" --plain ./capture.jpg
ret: **1:56**
